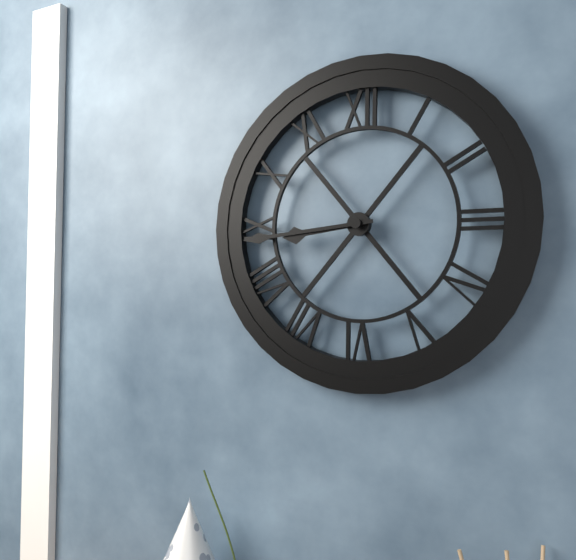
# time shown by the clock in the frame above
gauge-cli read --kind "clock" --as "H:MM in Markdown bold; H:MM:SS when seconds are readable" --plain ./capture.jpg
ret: **8:44**
